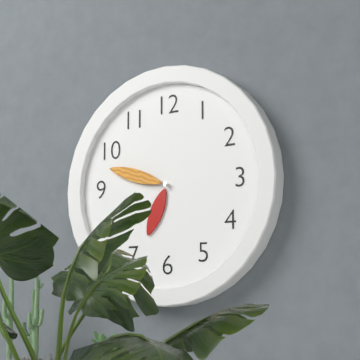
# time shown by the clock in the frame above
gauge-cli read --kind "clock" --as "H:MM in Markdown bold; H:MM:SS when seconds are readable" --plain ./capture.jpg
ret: **6:48**
